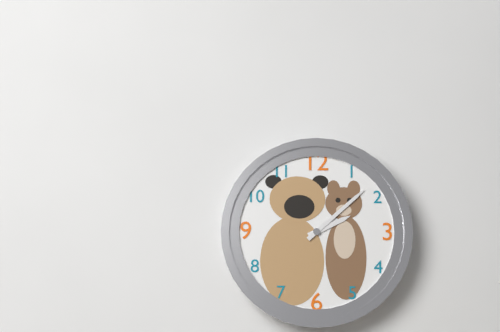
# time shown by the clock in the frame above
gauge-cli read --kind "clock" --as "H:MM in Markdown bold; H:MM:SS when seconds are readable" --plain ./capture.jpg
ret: **2:08**
